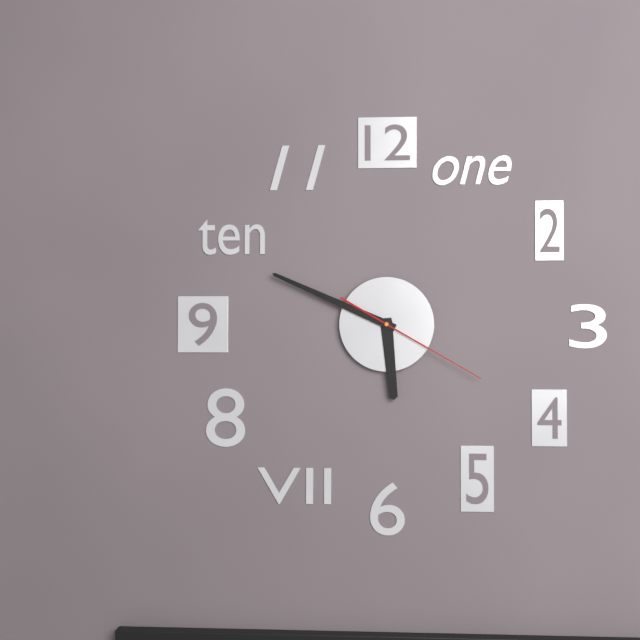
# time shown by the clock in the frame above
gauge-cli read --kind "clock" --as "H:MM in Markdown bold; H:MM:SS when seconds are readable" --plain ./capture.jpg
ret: **5:49:20**
